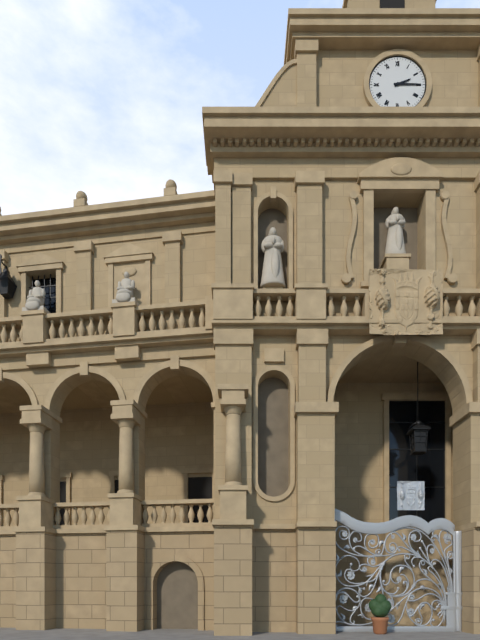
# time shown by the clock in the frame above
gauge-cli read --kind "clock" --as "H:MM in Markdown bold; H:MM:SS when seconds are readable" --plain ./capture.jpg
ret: **2:15**
